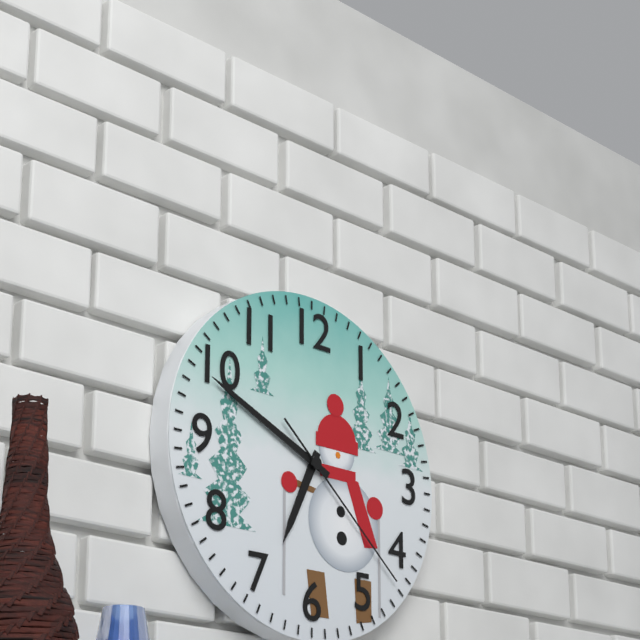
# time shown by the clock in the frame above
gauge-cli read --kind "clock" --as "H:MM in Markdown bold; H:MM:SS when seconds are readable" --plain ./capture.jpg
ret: **6:49:22**
